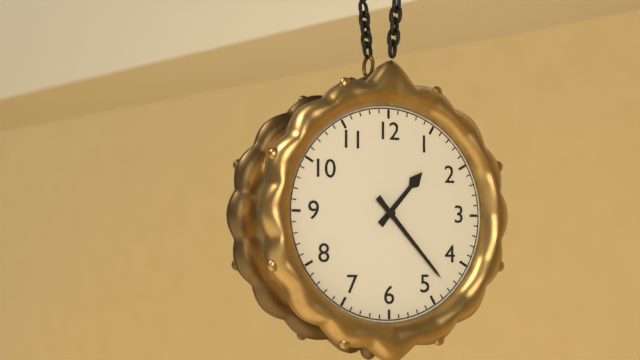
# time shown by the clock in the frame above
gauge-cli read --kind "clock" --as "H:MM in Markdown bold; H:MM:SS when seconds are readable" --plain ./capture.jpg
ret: **1:23**
